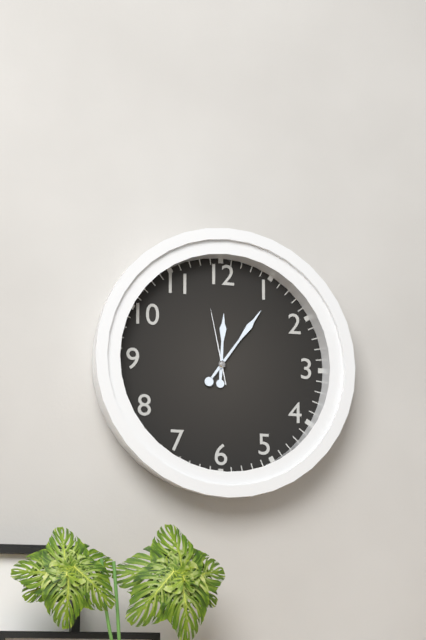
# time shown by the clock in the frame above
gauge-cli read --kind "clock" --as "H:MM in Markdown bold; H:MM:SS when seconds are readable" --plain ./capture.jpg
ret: **12:06:58**
